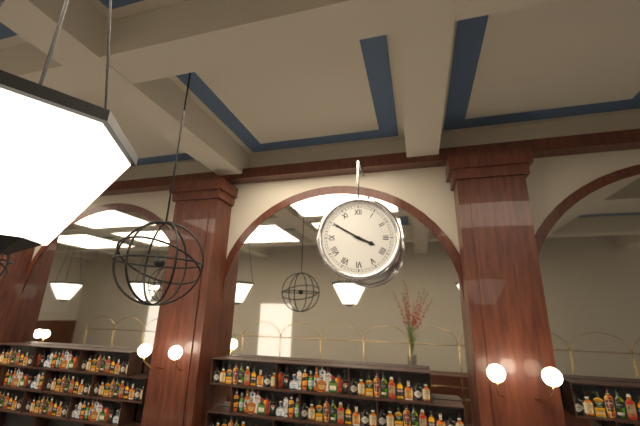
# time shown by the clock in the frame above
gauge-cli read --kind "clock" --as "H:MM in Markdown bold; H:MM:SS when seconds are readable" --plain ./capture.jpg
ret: **3:50**
